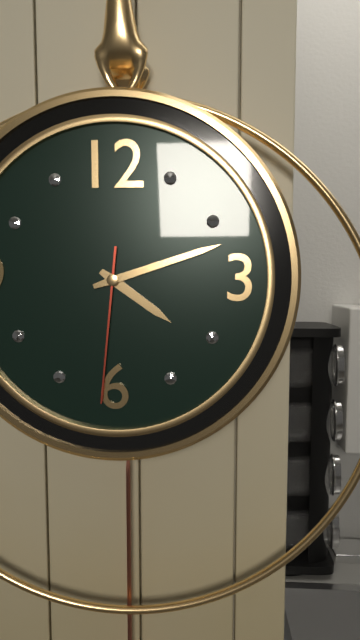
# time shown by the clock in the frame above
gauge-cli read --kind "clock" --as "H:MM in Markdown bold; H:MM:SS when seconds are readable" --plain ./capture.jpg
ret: **4:12:31**
